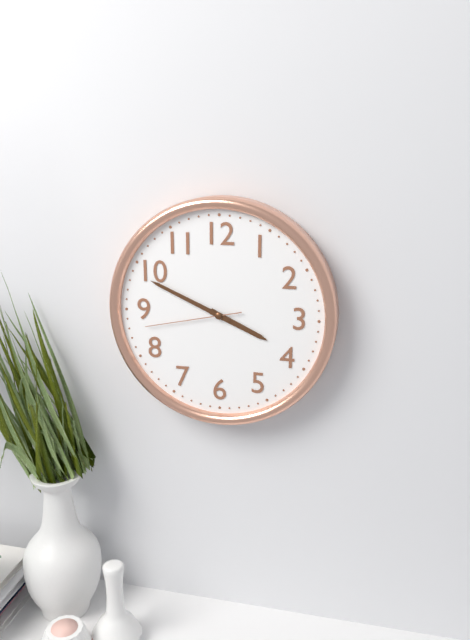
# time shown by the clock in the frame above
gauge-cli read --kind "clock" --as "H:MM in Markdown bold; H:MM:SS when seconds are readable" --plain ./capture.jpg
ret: **3:49:43**
